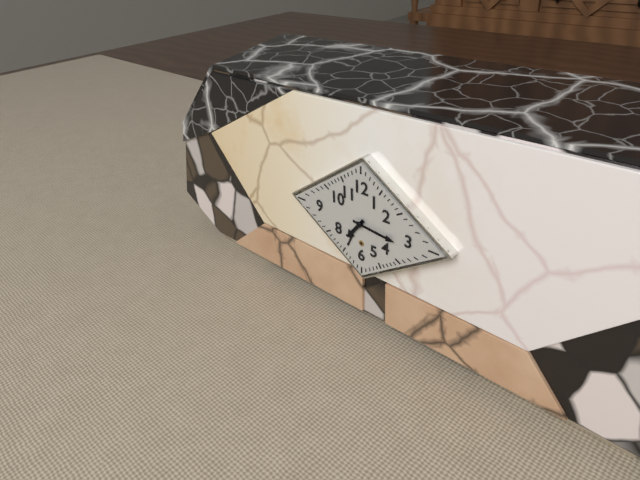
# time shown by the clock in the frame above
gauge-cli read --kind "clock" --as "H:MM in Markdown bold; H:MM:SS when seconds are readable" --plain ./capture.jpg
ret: **7:16**
